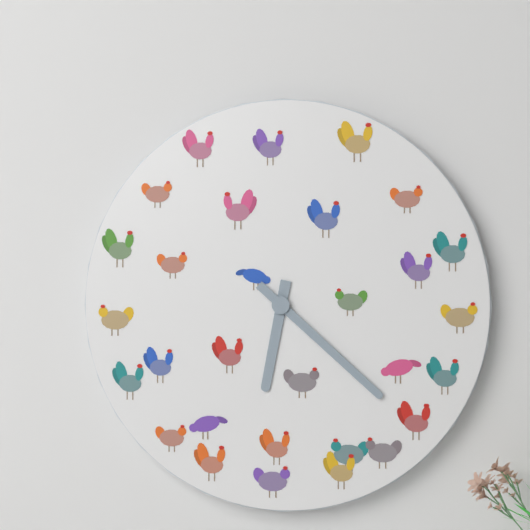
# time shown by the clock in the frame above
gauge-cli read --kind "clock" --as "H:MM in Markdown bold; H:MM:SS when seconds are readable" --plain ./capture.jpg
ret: **6:22**
